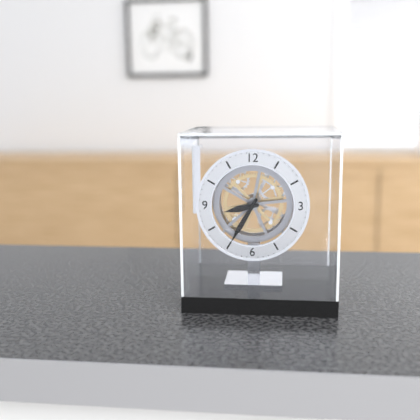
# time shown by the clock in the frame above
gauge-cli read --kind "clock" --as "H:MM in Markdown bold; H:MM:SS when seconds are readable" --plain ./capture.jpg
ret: **8:35**
